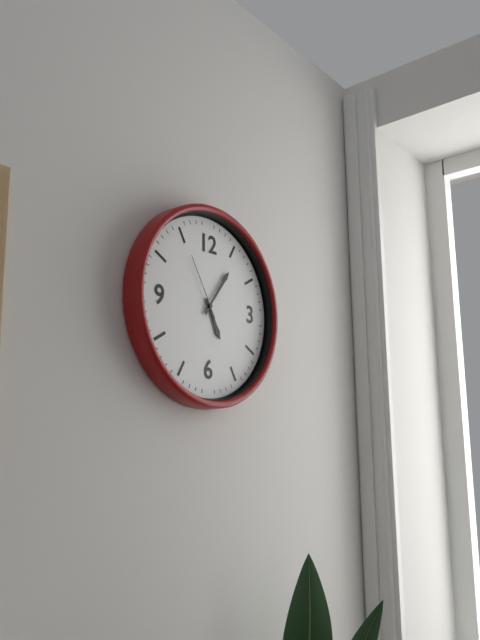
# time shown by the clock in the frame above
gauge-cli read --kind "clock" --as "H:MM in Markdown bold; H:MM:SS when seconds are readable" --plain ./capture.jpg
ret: **5:06:55**
